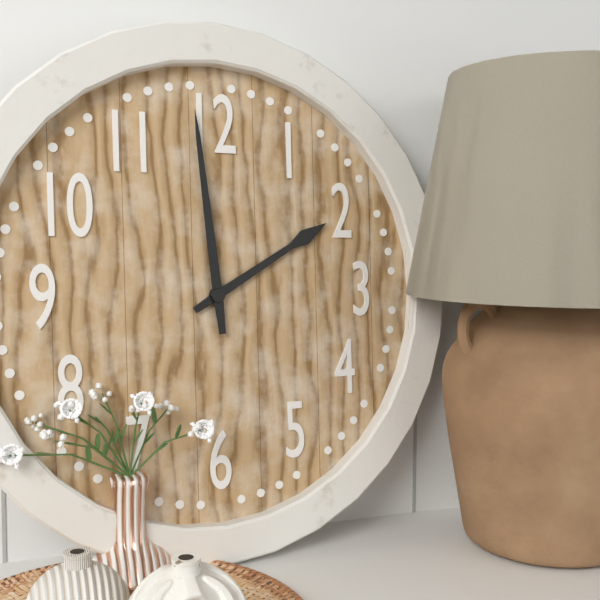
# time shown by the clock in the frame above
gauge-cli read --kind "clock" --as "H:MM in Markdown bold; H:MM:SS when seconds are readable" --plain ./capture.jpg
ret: **1:59**
